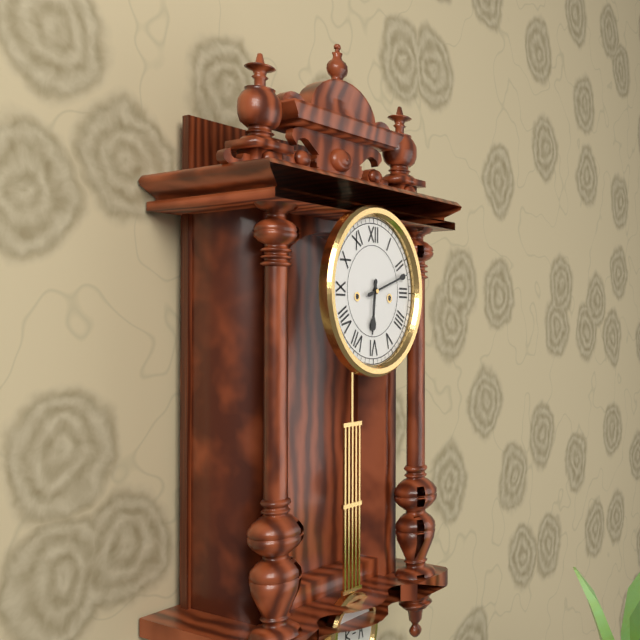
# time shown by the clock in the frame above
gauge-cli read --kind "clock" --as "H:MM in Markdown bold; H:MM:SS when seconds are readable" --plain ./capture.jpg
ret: **6:12**
